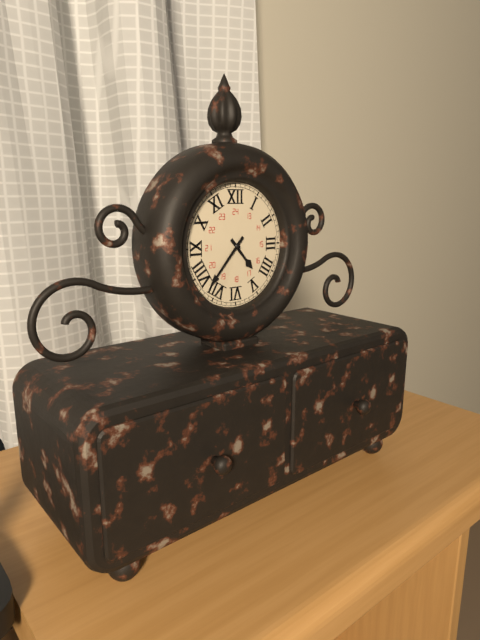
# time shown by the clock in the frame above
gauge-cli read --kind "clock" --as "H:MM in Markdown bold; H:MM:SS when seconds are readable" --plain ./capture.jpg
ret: **4:37**
